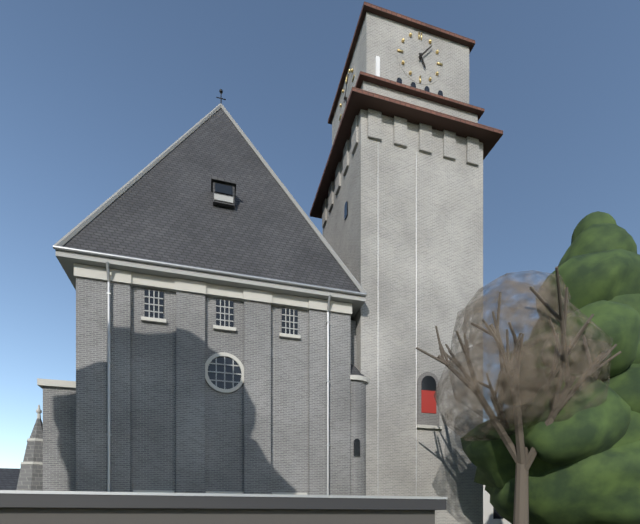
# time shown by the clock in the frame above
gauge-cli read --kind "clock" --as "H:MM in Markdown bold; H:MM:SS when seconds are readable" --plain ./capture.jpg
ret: **5:07**
